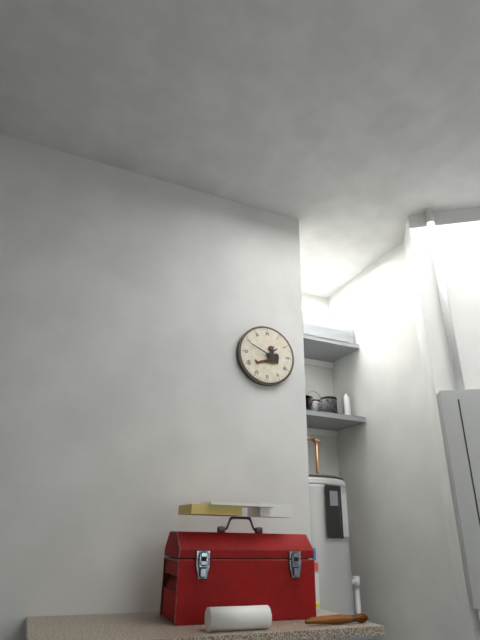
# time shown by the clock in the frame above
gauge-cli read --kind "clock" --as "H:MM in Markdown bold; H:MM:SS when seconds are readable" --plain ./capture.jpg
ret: **1:49**
